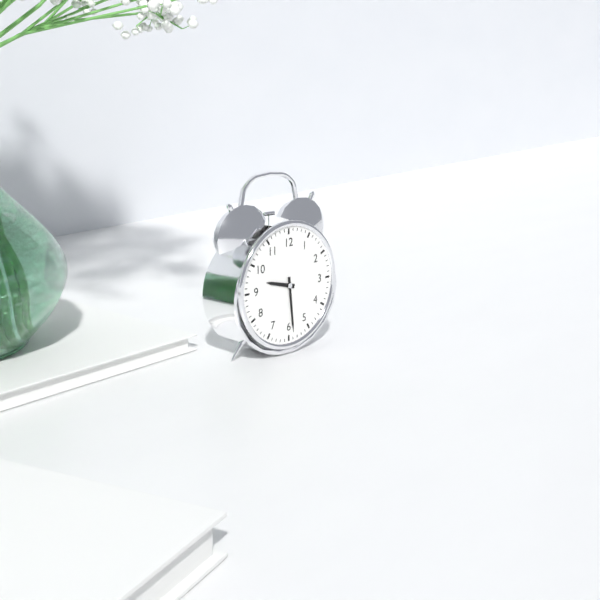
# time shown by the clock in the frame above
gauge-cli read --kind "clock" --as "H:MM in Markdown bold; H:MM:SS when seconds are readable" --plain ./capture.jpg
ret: **9:29**
